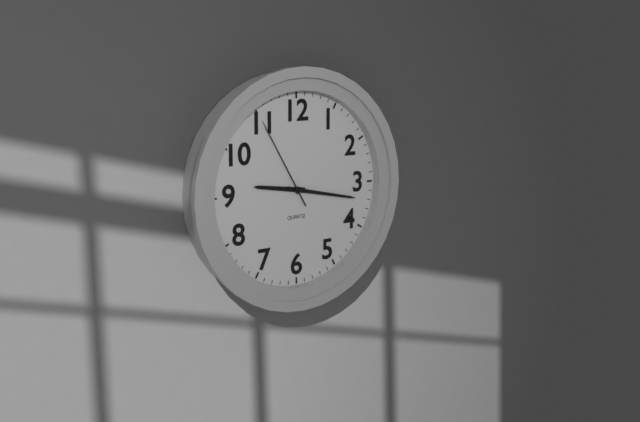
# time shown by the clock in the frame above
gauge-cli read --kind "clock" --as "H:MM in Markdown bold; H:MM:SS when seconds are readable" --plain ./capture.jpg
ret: **9:17:55**
